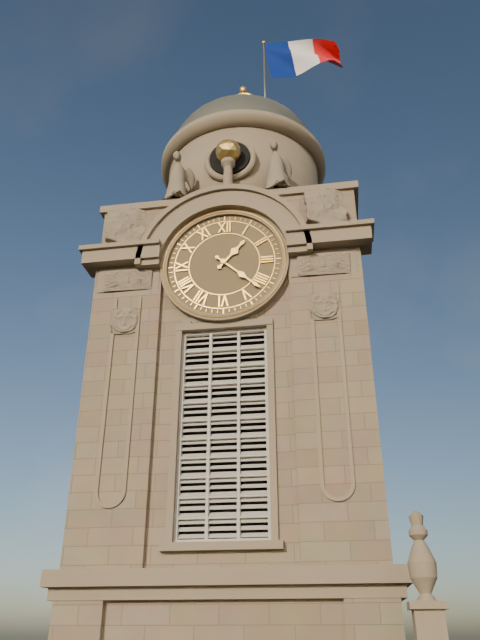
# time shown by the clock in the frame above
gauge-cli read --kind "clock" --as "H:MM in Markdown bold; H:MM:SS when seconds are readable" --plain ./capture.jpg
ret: **1:22**
